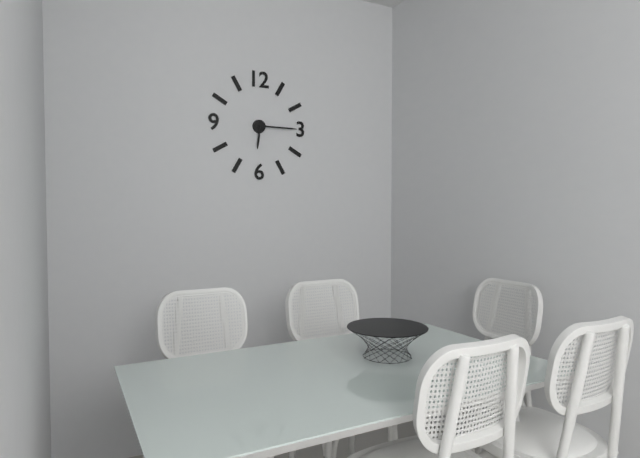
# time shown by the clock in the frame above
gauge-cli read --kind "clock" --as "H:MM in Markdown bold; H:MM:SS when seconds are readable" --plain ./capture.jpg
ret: **6:15**
